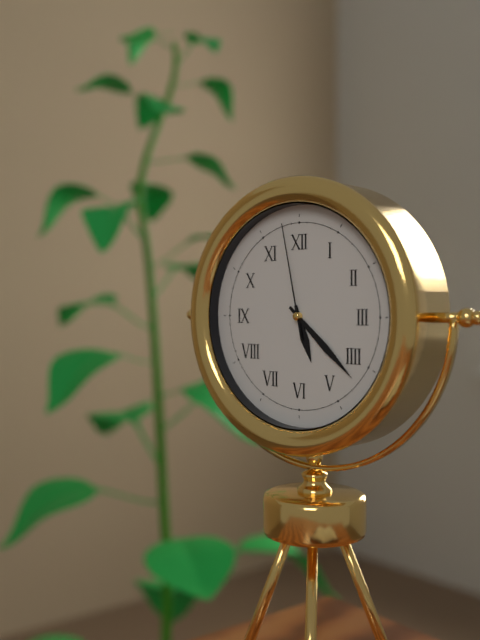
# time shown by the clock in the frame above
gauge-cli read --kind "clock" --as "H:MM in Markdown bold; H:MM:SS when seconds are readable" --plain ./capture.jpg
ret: **5:22:58**
